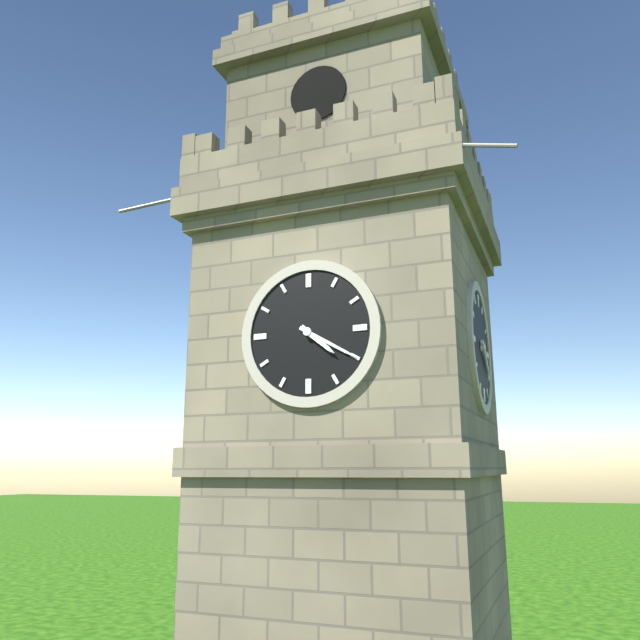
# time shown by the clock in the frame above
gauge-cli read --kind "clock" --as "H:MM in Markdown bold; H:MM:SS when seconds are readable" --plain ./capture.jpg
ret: **4:20**
